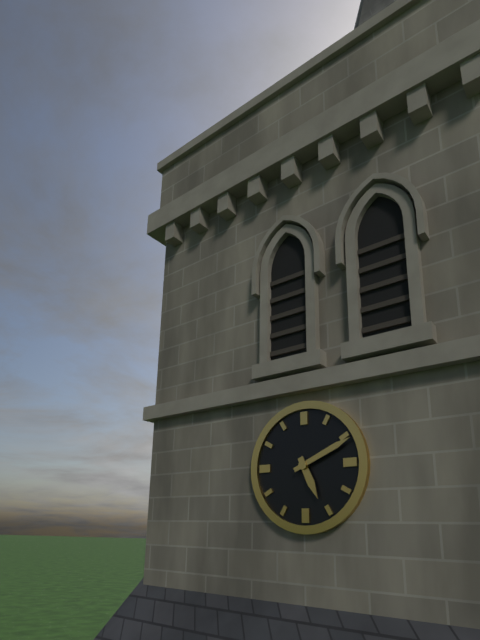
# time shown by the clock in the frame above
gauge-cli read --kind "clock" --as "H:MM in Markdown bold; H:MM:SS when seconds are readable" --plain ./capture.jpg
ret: **5:11**
